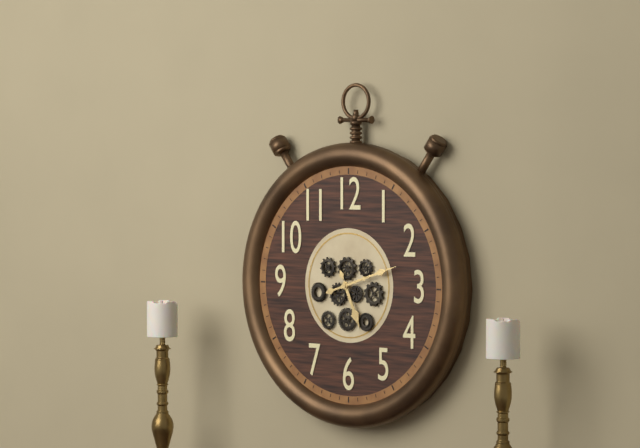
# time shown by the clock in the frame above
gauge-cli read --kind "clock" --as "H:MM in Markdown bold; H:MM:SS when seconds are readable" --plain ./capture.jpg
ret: **5:12**
